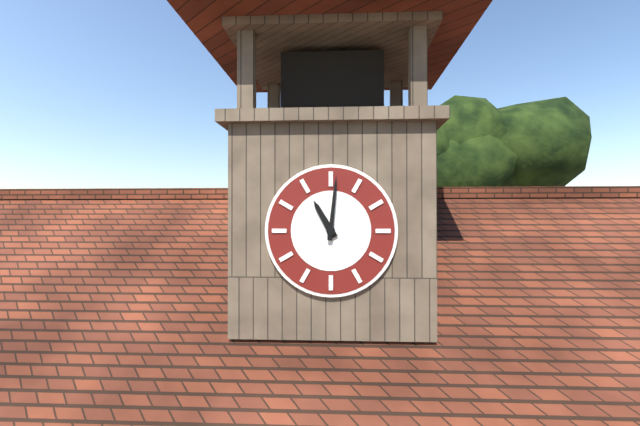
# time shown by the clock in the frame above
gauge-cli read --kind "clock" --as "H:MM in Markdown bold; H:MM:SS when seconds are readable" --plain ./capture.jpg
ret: **11:01**
